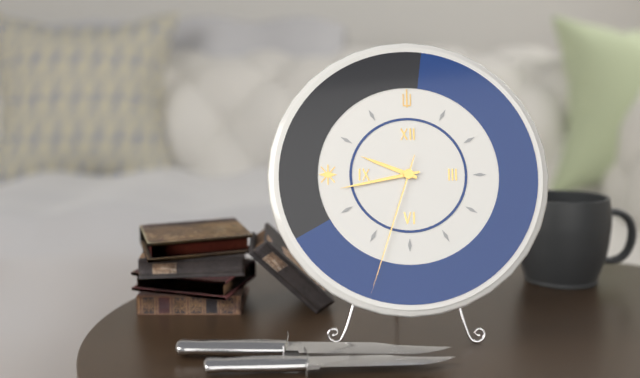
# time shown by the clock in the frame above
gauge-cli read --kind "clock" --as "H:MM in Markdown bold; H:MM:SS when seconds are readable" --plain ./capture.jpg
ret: **9:43:33**
